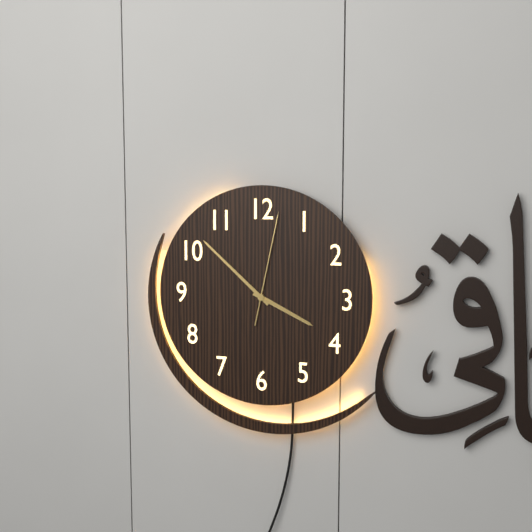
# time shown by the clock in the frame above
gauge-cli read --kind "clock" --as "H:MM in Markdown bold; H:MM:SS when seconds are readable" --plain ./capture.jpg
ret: **3:52:02**
